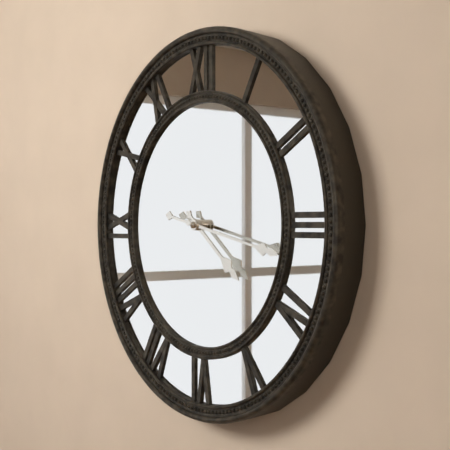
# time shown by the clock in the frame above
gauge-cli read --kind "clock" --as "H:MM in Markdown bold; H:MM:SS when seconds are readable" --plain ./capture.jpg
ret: **4:17**
